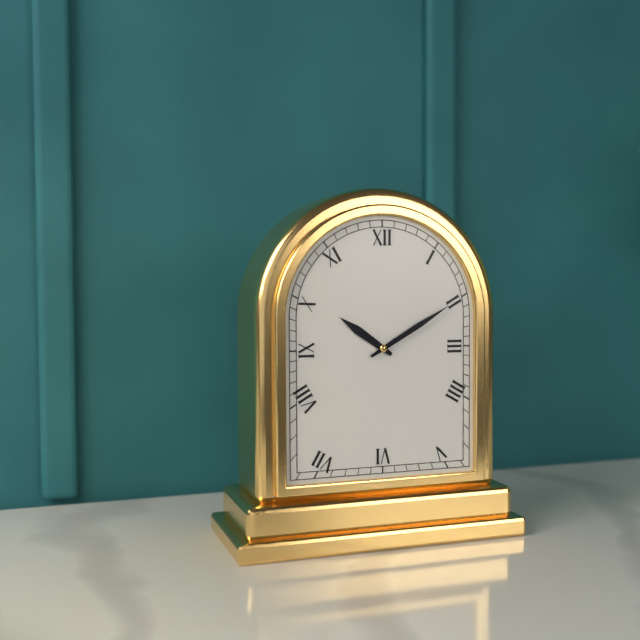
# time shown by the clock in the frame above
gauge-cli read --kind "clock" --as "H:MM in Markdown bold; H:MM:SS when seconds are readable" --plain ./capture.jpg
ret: **10:10**
